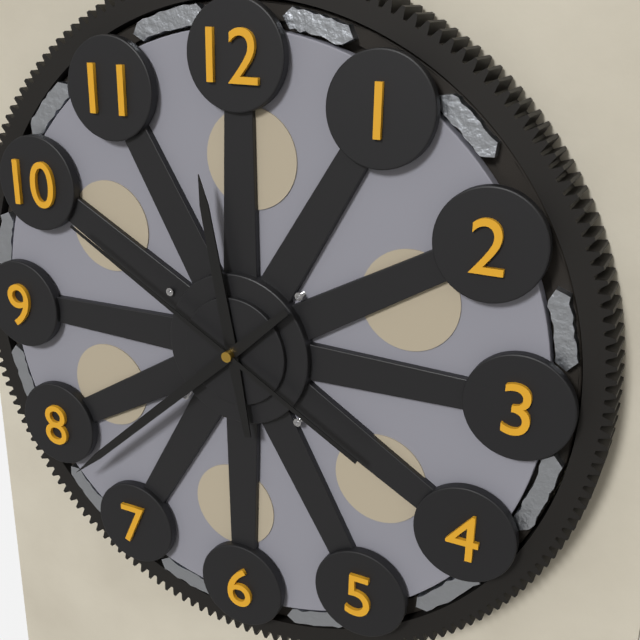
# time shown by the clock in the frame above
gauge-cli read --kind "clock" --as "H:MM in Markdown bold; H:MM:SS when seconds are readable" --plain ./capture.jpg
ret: **11:38:50**
